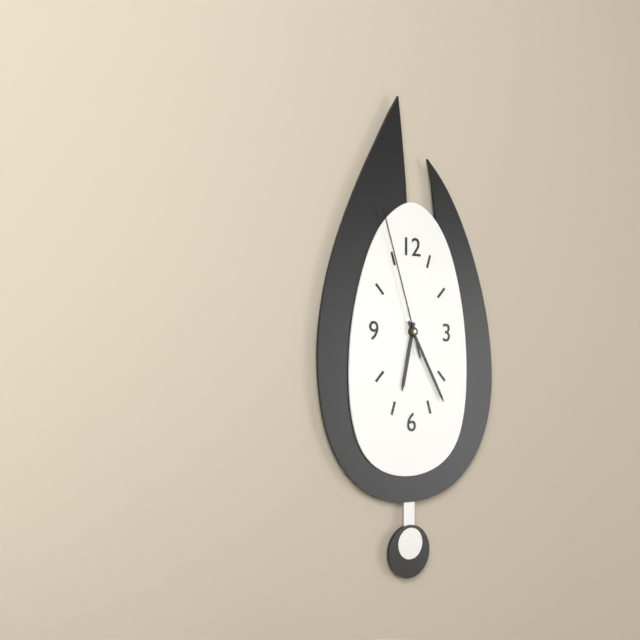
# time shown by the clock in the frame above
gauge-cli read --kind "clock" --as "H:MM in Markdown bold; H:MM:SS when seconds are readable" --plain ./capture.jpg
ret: **6:25:57**
